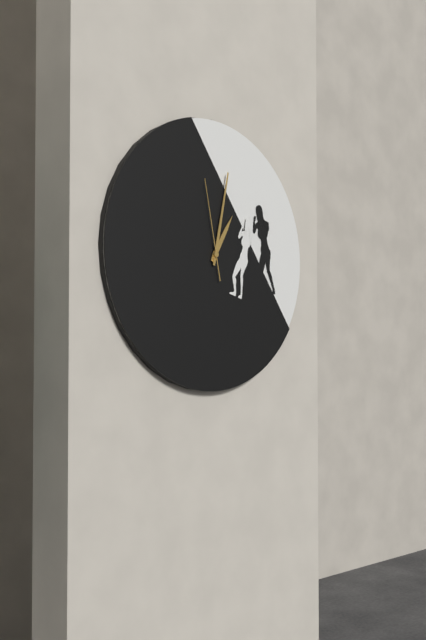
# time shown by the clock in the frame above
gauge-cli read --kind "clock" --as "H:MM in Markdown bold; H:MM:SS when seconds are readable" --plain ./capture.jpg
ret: **1:02:58**
